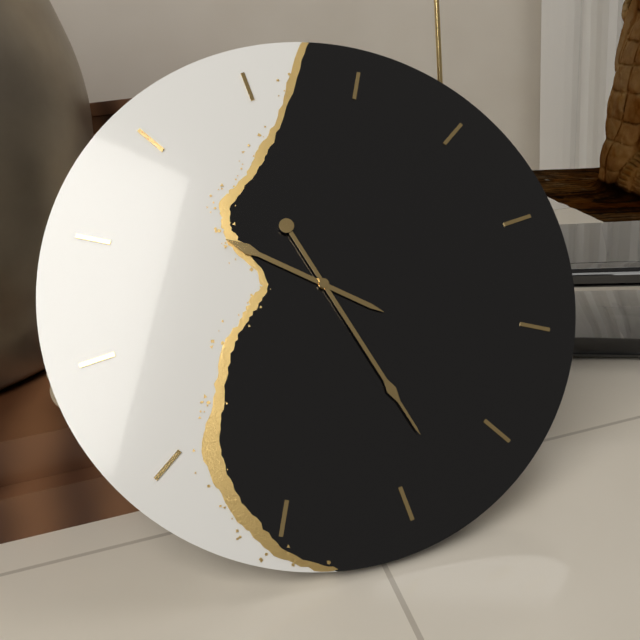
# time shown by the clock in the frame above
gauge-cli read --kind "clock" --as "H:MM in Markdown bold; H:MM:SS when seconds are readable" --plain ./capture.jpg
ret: **10:28**
